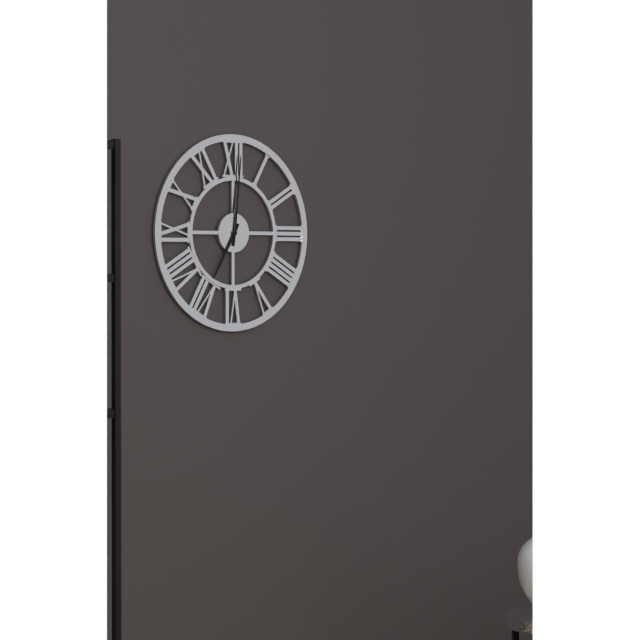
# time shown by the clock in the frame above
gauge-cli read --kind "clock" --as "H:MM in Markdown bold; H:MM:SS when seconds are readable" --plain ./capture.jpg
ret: **7:01**
